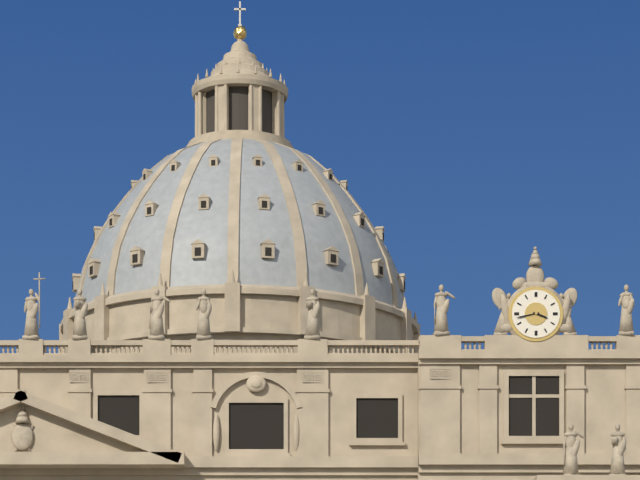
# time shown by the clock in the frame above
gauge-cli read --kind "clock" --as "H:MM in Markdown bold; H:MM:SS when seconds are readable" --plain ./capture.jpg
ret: **3:43**
